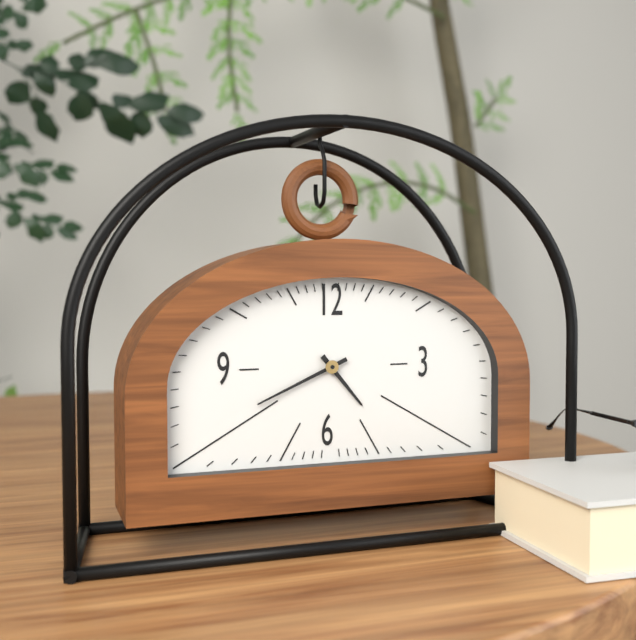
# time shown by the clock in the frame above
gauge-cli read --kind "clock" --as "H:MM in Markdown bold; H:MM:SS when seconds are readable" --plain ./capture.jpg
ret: **4:41**
